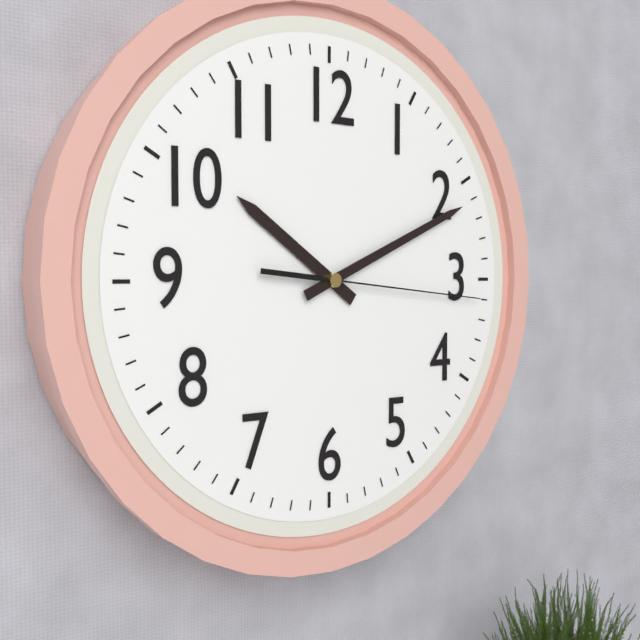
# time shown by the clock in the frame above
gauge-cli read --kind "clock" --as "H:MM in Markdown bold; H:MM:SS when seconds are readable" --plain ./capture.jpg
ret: **10:11:16**
